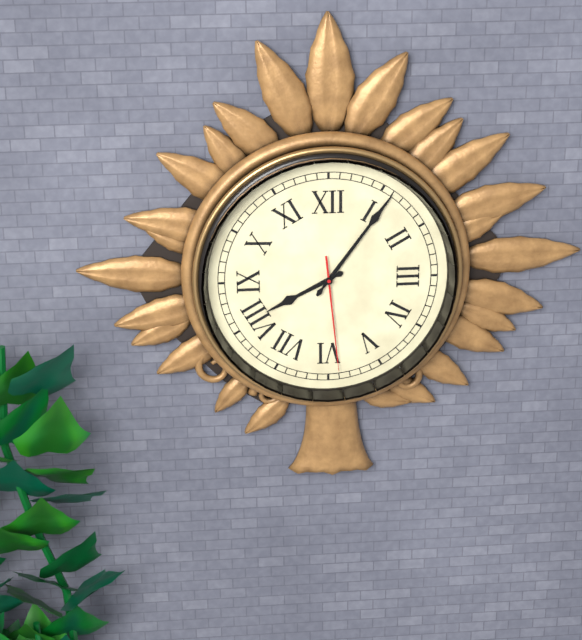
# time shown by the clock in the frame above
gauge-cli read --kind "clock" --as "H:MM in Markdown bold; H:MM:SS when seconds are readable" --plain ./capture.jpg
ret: **8:06:29**
